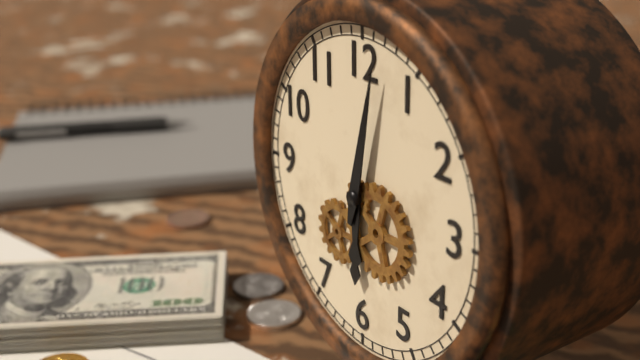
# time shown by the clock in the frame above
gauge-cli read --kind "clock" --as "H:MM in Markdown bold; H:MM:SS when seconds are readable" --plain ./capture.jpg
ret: **6:02**
